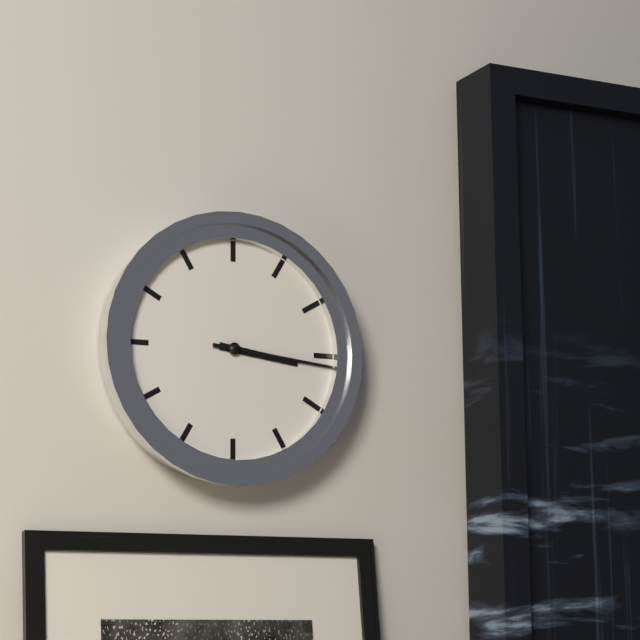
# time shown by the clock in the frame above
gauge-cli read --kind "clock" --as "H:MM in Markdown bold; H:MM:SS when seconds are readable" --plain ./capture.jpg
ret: **3:16**
